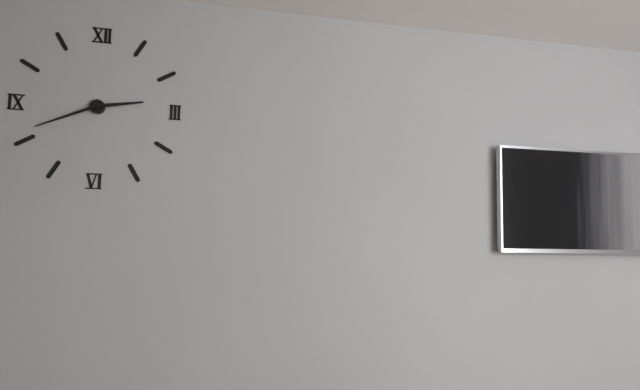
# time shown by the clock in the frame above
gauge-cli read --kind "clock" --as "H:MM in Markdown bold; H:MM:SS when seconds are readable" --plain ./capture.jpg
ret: **2:41**
